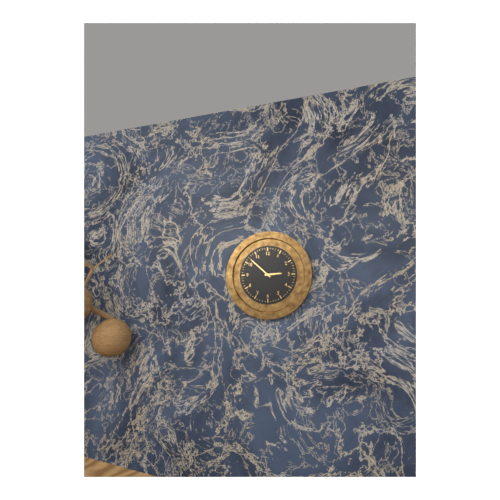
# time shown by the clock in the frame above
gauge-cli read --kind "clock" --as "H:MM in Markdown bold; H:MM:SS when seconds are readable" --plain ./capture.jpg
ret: **2:52**
